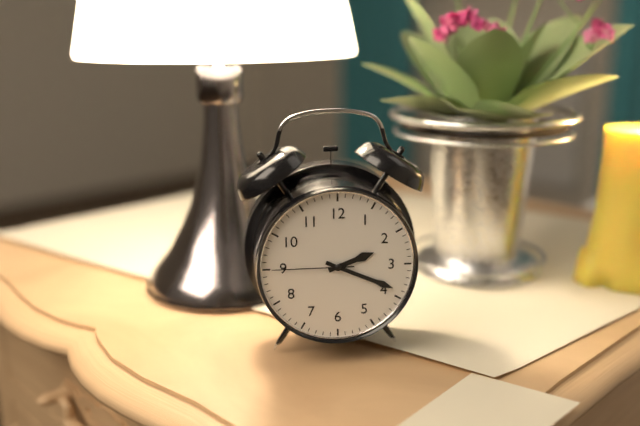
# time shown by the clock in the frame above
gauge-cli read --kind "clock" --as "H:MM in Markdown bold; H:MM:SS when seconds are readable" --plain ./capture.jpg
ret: **2:19:45**
